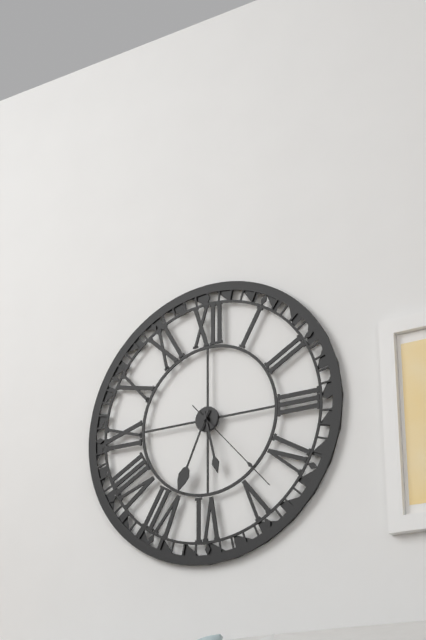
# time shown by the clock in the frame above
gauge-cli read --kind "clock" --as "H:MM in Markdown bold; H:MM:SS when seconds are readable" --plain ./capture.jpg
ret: **5:34:23**
